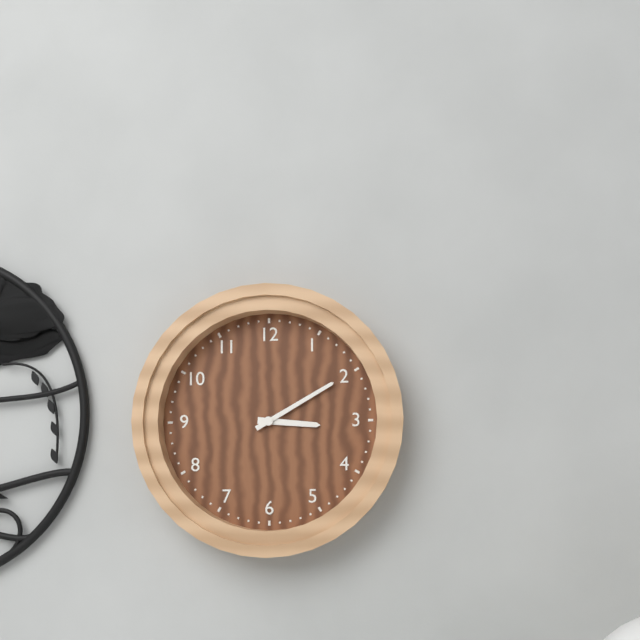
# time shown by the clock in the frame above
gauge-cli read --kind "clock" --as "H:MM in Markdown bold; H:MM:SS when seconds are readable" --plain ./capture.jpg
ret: **3:10**
